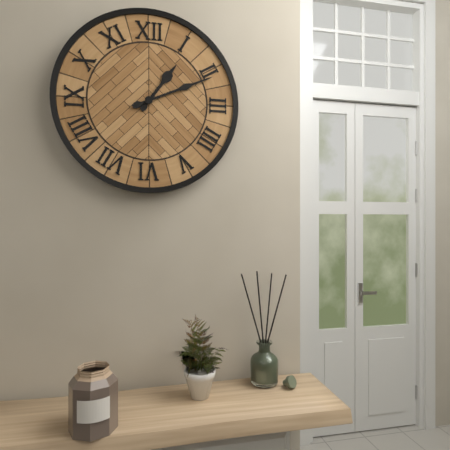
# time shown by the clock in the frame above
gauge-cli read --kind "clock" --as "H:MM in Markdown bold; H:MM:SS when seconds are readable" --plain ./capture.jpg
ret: **1:11**
